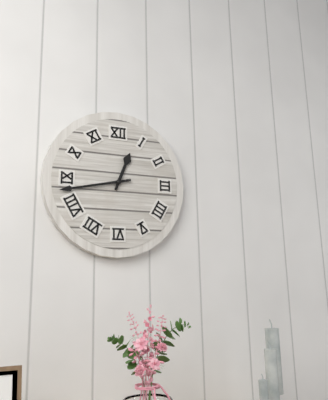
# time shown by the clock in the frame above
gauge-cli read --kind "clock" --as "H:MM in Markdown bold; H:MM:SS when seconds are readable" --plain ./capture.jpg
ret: **12:43**
